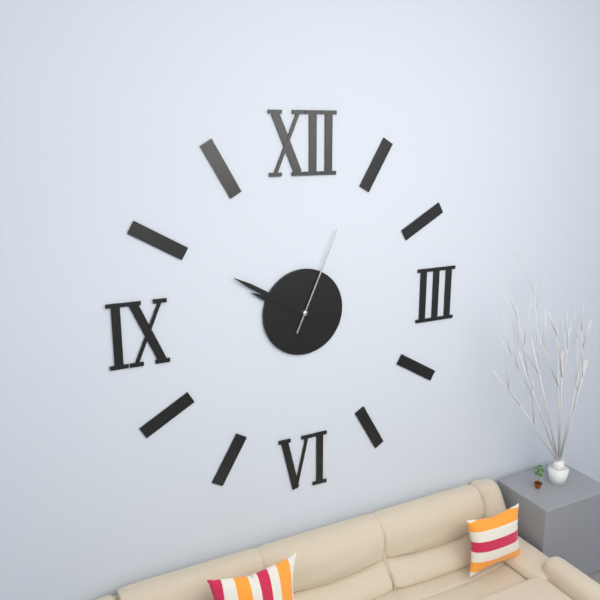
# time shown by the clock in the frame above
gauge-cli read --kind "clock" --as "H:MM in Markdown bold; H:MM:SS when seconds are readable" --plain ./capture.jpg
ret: **9:50:04**
